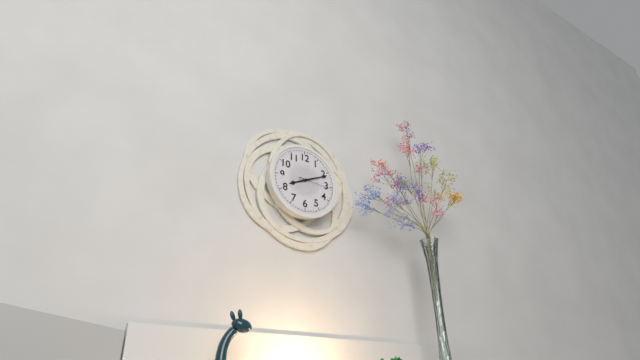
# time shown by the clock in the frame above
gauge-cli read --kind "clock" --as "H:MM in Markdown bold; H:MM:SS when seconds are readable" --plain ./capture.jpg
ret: **8:11**
